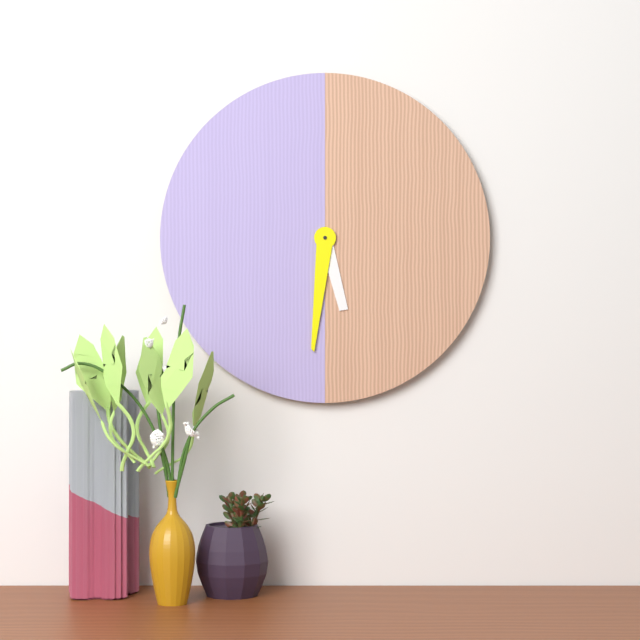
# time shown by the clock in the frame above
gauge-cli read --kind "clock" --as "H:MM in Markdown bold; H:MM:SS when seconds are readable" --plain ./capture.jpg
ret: **5:31**
